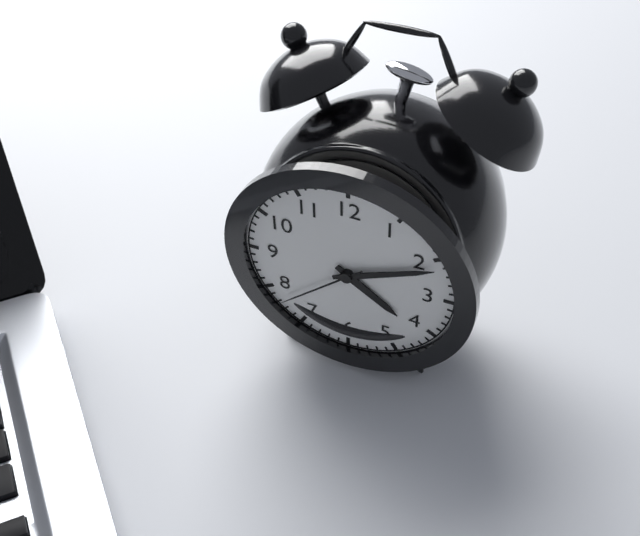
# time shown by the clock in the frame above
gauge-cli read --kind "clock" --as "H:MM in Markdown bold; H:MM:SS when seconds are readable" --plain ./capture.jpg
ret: **4:11:38**
